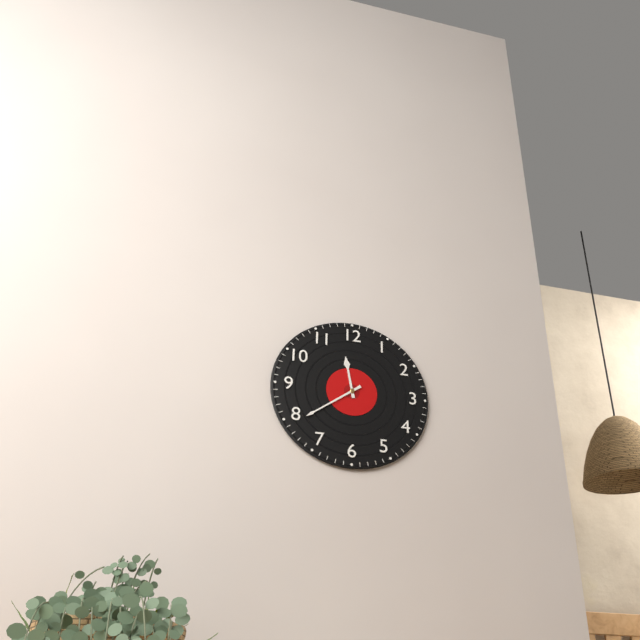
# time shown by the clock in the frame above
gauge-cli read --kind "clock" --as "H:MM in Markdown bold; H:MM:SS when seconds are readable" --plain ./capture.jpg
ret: **11:39**
